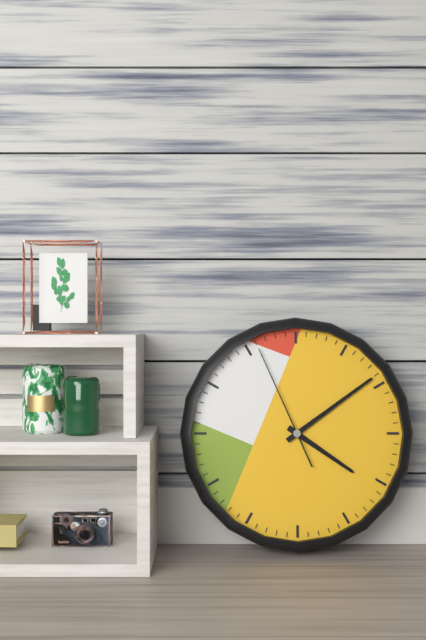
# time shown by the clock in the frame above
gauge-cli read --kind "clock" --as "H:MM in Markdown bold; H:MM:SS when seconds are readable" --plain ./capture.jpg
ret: **4:09:56**
